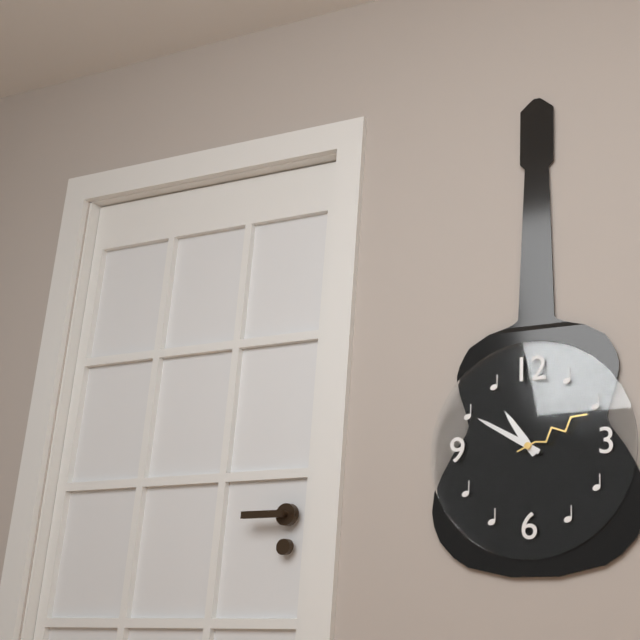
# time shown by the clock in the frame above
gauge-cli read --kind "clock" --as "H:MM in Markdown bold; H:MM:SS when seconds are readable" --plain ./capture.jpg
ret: **10:50:11**
